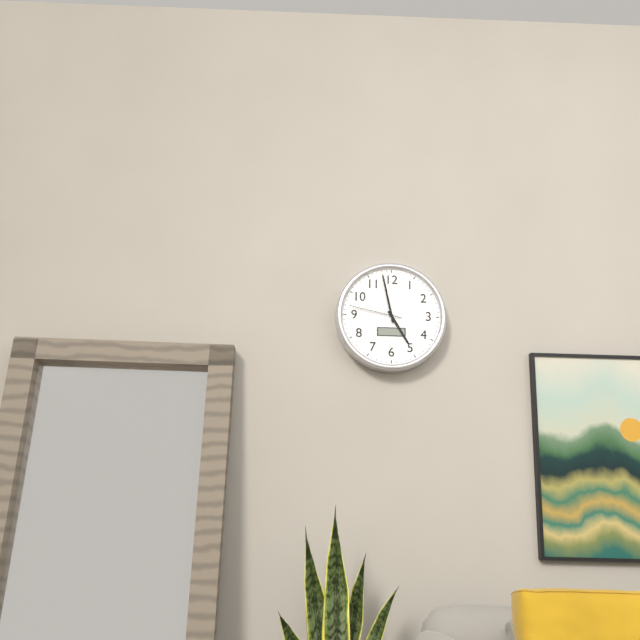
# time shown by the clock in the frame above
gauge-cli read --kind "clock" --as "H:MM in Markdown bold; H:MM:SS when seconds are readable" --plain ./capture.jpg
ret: **4:58:47**
